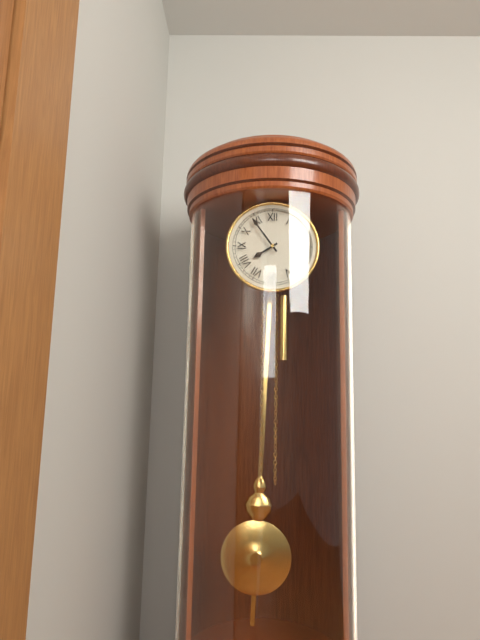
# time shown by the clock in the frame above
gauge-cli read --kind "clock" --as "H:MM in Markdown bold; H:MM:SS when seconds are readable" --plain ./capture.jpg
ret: **7:54**
